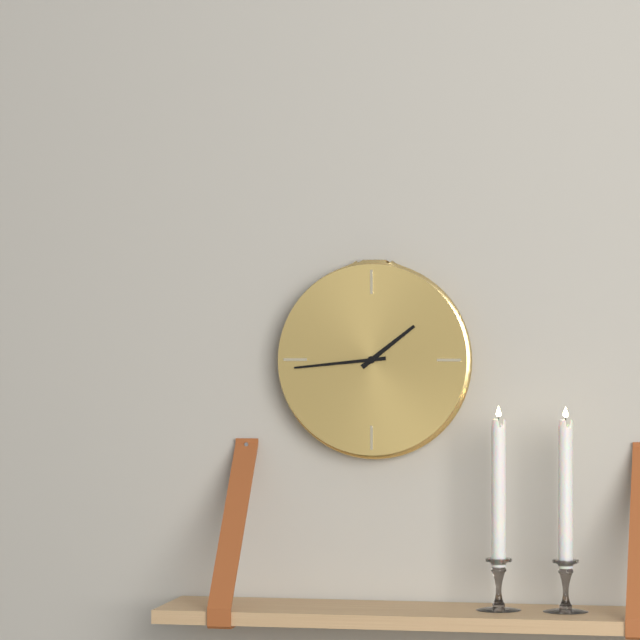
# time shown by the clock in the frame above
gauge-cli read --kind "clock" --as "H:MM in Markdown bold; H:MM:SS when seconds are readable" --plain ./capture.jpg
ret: **1:44**
